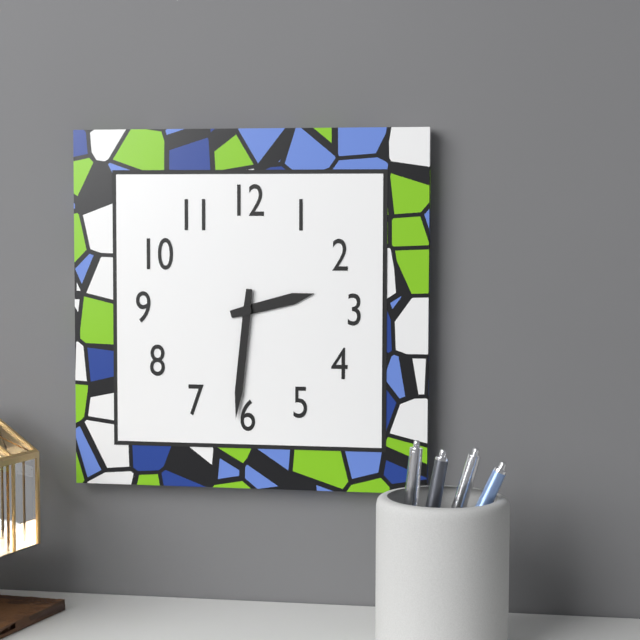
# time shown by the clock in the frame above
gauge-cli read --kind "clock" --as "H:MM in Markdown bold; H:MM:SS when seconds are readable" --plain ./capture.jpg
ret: **2:31**
